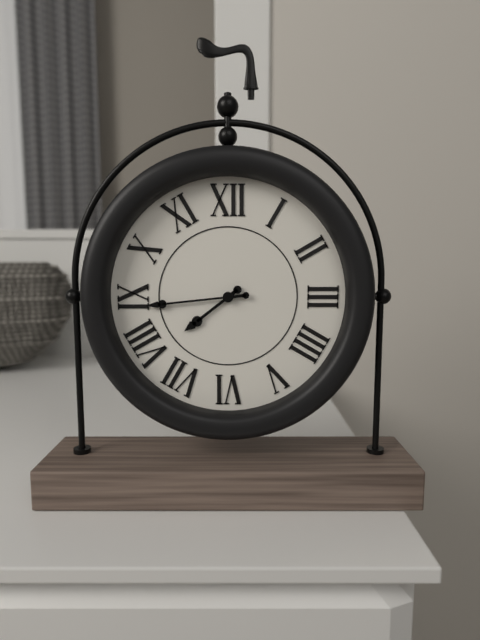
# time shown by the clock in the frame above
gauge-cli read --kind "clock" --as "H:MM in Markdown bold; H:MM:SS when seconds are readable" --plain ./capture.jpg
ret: **7:44**
